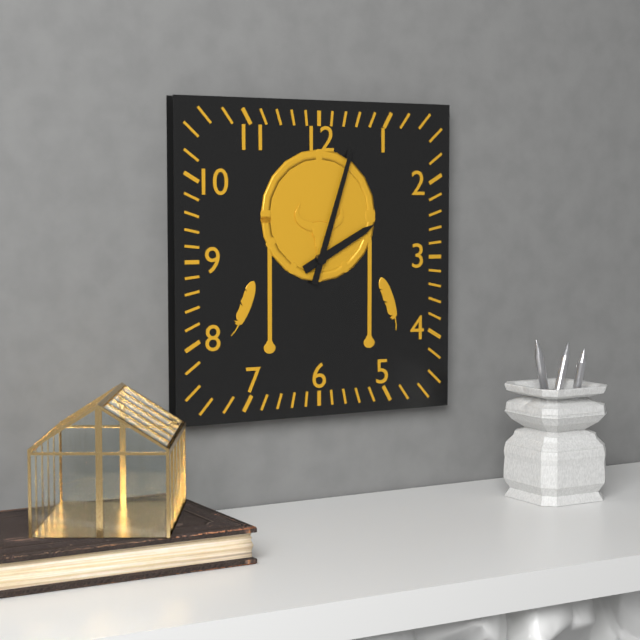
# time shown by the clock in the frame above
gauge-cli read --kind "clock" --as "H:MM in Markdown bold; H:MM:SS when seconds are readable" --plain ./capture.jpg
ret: **2:03**
